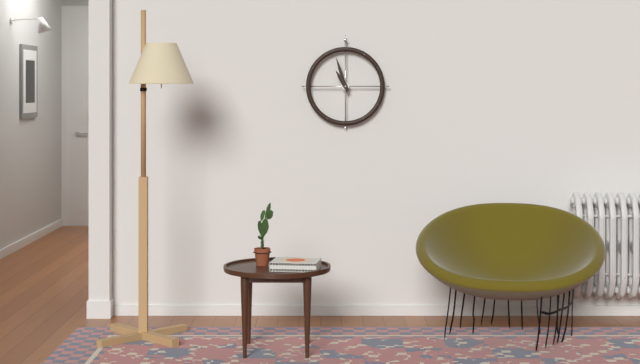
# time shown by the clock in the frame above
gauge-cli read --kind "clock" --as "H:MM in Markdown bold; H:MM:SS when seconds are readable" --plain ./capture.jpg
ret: **10:57**
